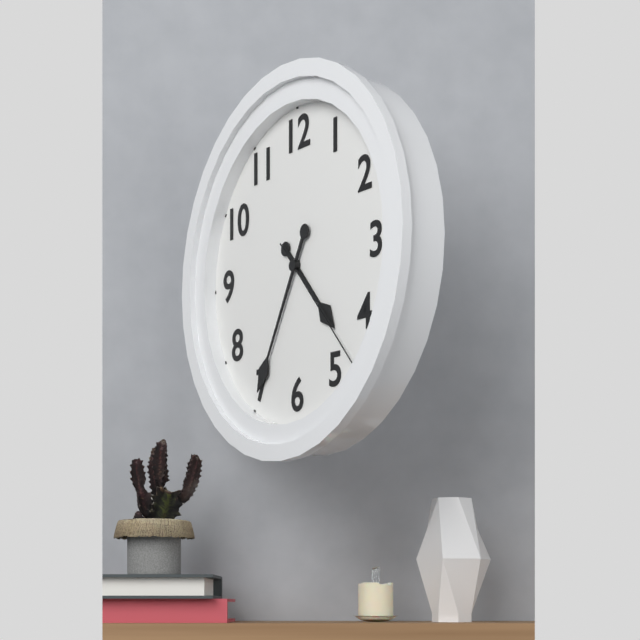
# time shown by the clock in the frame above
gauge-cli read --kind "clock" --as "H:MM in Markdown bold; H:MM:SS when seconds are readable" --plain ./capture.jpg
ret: **4:35:23**
